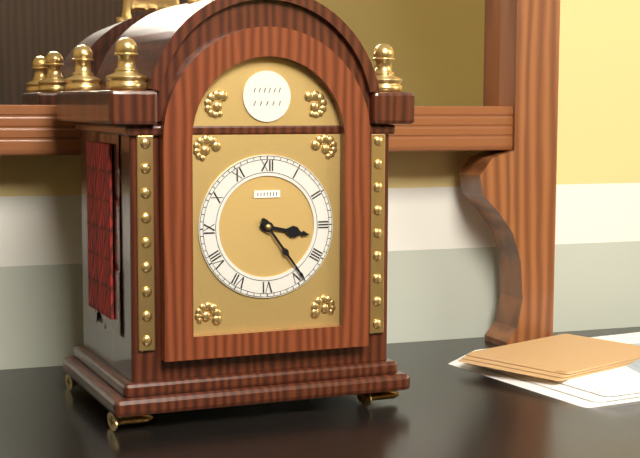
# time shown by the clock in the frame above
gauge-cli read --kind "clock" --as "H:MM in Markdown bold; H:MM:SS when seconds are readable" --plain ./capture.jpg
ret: **3:24**
